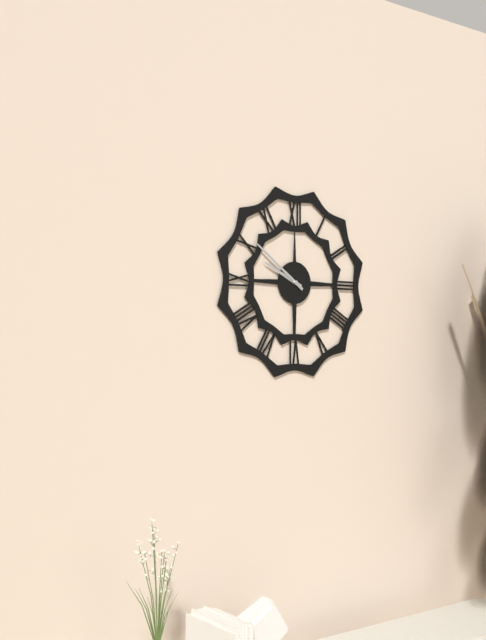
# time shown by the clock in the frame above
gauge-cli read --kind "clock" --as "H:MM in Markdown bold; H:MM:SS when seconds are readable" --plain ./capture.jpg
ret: **9:51**
